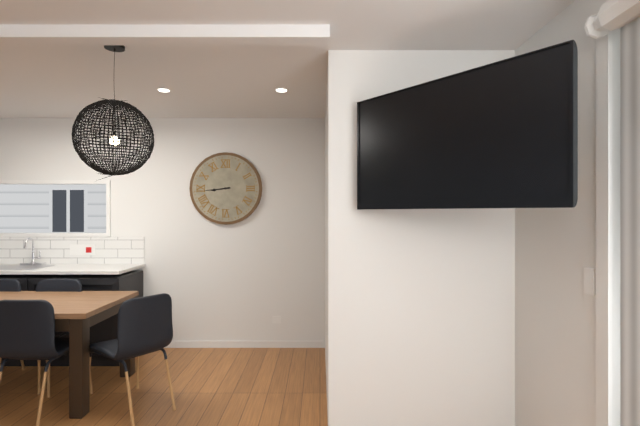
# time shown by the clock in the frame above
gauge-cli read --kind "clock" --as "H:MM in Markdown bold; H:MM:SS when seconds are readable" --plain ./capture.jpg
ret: **8:44**
